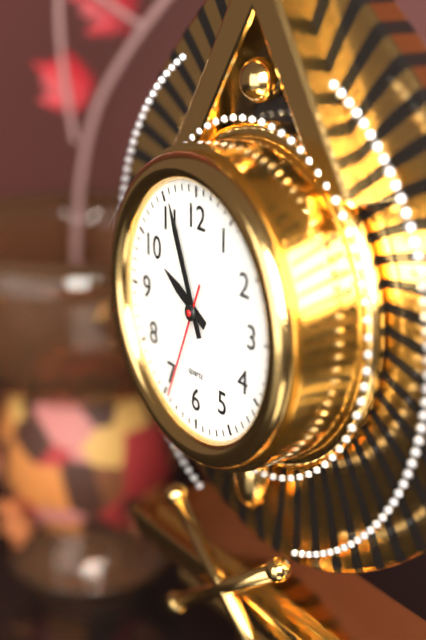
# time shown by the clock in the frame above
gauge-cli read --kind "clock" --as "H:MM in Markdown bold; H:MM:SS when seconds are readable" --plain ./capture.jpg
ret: **9:56:34**
